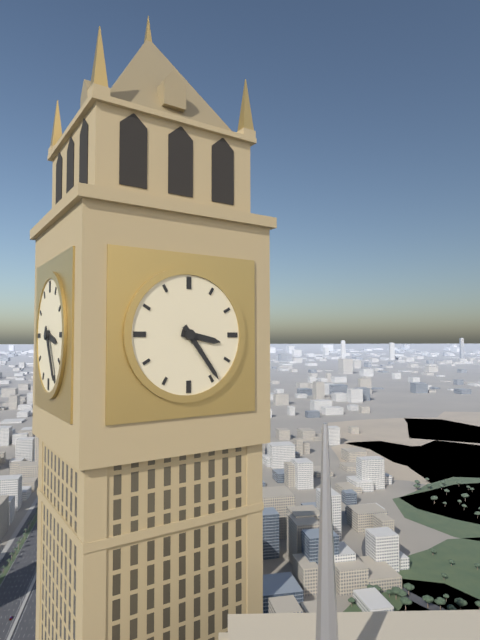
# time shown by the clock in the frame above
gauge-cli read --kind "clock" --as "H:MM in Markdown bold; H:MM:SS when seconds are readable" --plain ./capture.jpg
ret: **3:24**
